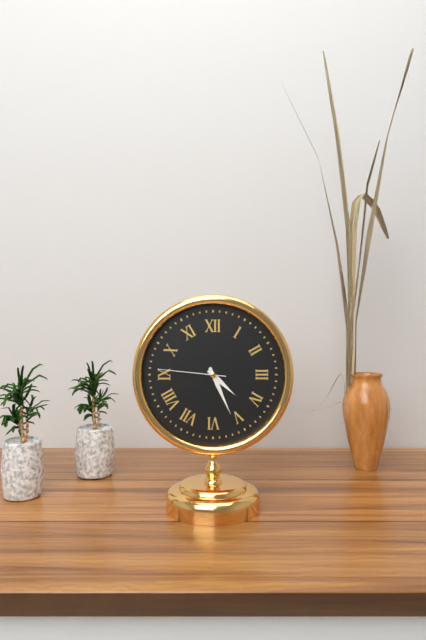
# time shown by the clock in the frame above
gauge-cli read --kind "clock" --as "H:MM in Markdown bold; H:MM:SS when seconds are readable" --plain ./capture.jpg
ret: **4:26:46**
